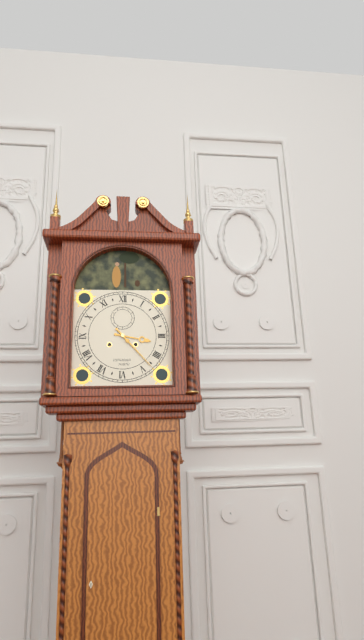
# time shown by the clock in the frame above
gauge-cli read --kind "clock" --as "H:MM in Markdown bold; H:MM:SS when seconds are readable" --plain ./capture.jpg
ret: **3:23**
